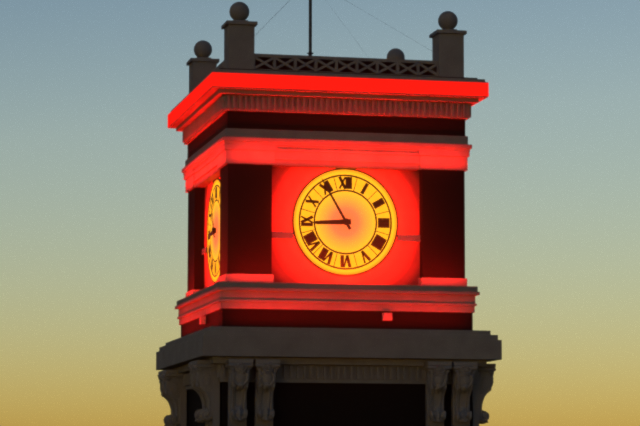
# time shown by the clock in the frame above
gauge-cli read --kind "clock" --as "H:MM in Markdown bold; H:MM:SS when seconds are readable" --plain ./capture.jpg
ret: **8:55**
